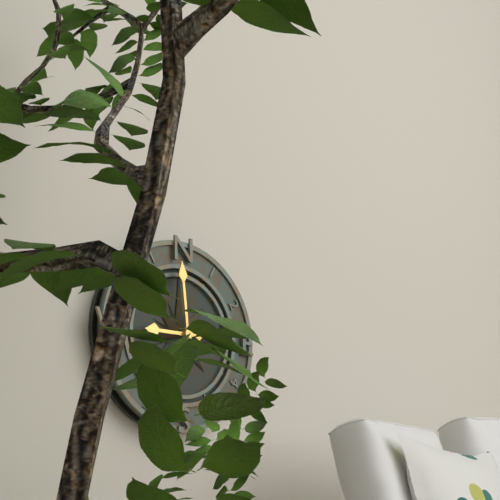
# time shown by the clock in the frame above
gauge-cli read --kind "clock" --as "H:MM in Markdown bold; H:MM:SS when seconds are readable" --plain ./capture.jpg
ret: **8:59**
